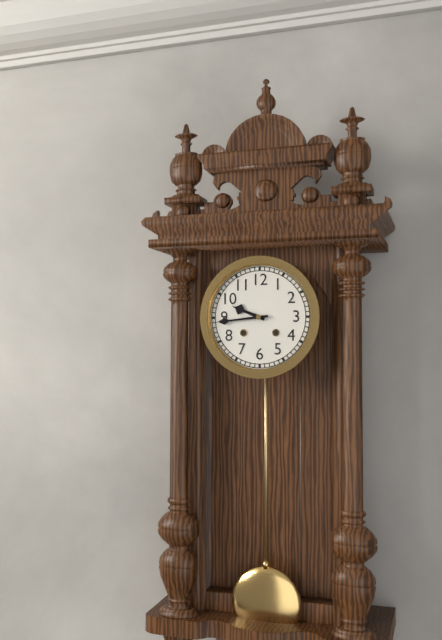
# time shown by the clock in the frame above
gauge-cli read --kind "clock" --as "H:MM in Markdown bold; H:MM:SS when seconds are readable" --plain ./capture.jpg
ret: **9:44**
